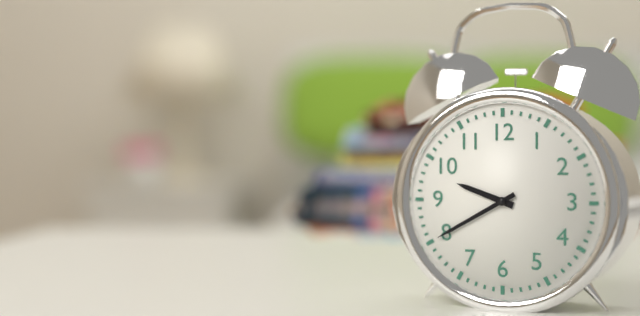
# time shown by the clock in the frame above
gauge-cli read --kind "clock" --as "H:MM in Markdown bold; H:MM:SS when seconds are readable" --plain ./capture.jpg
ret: **9:40**
